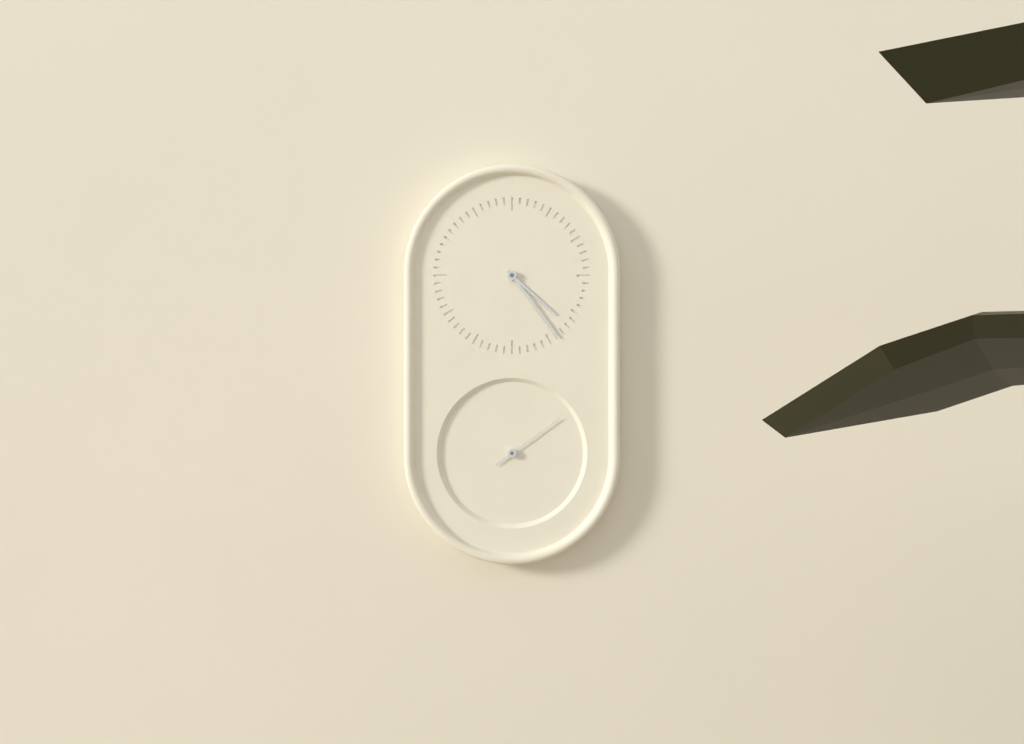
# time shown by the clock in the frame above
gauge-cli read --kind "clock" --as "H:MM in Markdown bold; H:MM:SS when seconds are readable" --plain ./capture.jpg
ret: **4:24:09**
